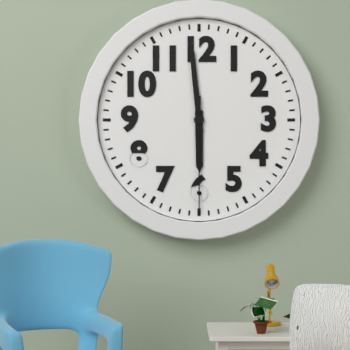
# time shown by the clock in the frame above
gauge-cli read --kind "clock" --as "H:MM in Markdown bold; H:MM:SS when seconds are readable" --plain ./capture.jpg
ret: **5:59:30**
